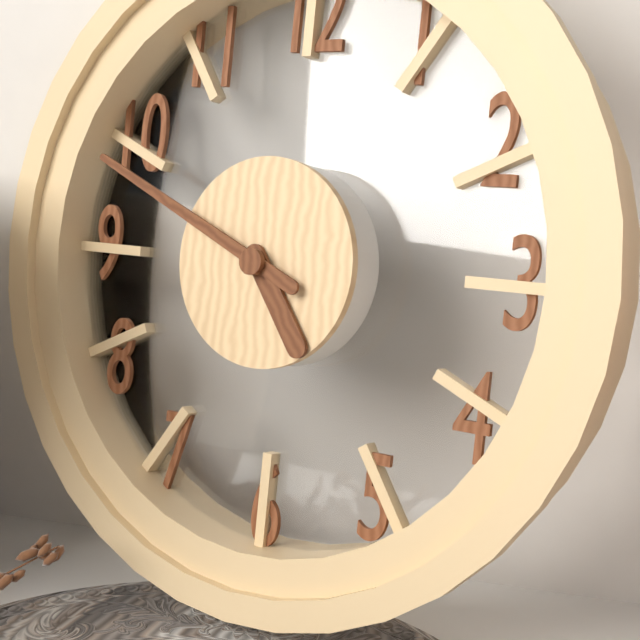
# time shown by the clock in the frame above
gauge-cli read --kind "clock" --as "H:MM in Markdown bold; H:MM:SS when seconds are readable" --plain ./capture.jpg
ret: **4:49**
